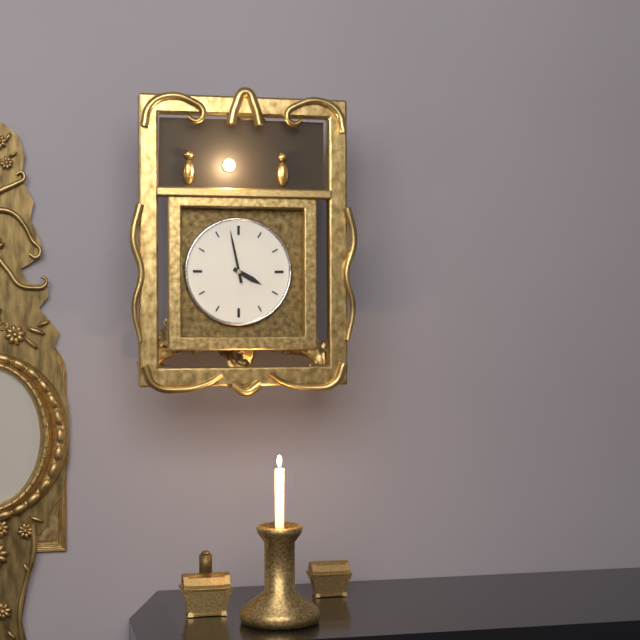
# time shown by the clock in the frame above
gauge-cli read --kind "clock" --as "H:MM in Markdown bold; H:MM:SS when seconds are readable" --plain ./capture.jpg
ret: **3:58**
